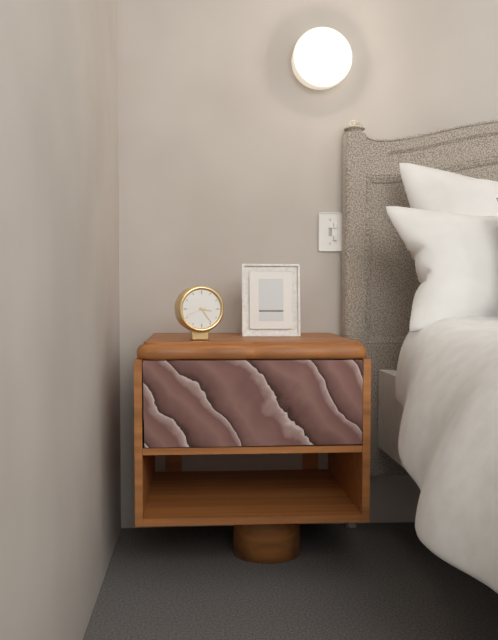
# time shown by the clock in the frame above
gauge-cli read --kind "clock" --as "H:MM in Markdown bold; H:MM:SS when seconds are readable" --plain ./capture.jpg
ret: **3:24**
